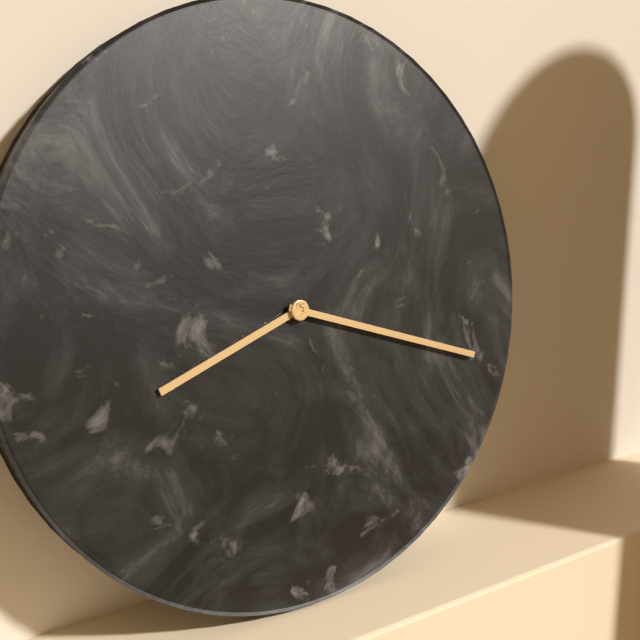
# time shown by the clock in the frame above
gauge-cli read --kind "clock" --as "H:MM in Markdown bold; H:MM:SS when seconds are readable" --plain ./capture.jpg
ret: **8:18**
